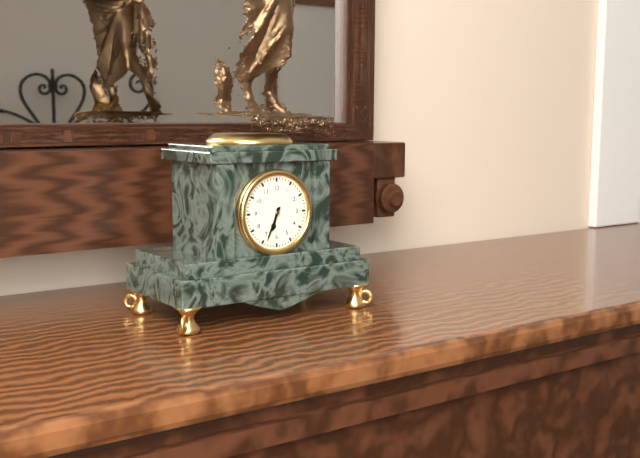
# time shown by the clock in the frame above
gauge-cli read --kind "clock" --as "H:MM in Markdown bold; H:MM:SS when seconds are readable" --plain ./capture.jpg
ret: **6:34**
